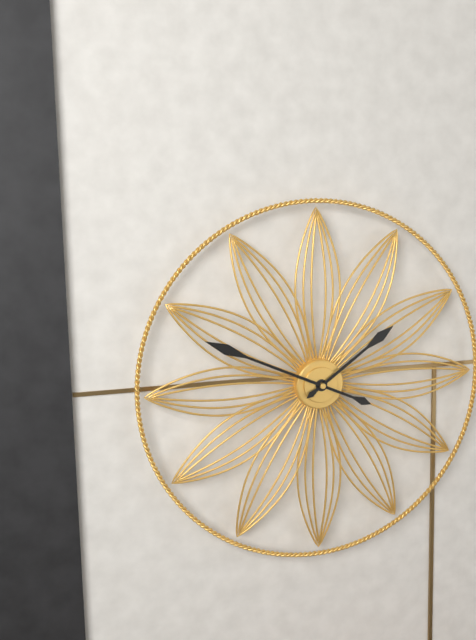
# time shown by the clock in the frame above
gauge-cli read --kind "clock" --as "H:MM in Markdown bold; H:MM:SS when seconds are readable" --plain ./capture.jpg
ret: **1:49**
